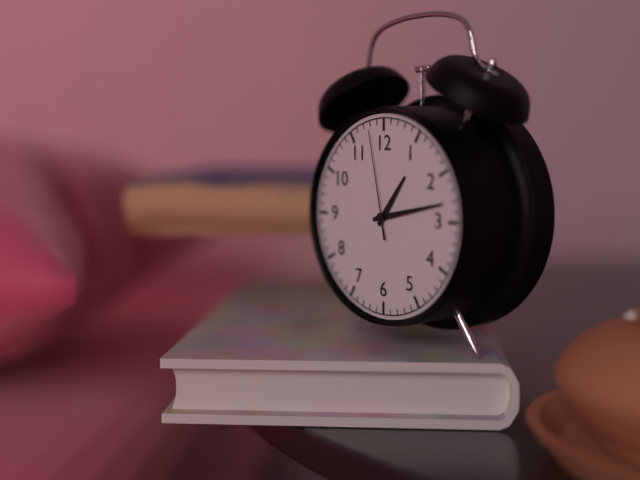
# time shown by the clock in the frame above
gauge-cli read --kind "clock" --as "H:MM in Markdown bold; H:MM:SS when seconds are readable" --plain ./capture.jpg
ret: **1:13:58**
